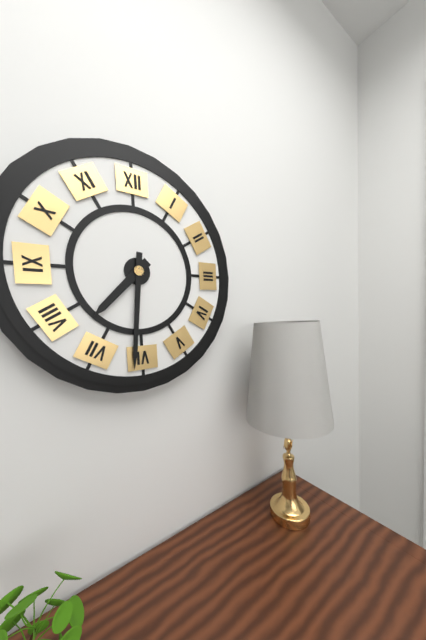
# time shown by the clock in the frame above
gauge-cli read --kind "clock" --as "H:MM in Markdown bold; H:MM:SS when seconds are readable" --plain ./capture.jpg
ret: **7:31**
